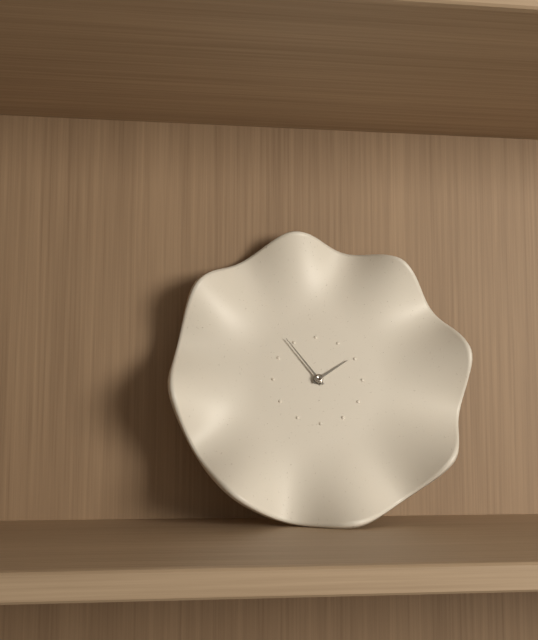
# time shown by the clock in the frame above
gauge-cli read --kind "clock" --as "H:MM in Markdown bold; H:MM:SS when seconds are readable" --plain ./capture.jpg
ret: **1:54**
